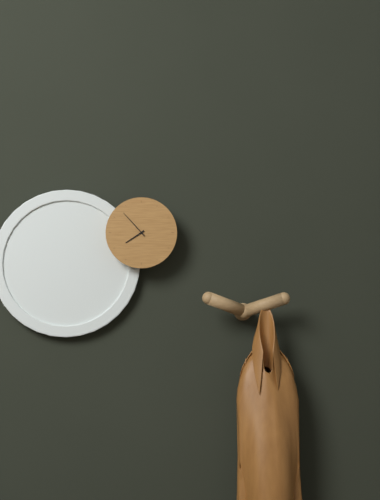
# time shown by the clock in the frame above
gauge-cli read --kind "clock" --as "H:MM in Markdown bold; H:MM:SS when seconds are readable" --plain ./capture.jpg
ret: **7:53**
